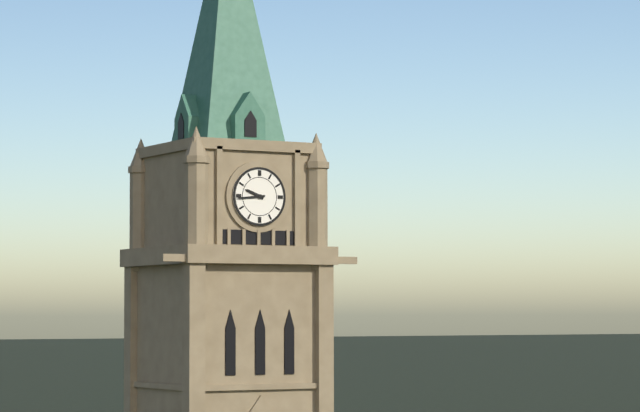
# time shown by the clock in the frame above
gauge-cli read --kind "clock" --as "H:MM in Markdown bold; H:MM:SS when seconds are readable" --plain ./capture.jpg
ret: **9:44**
